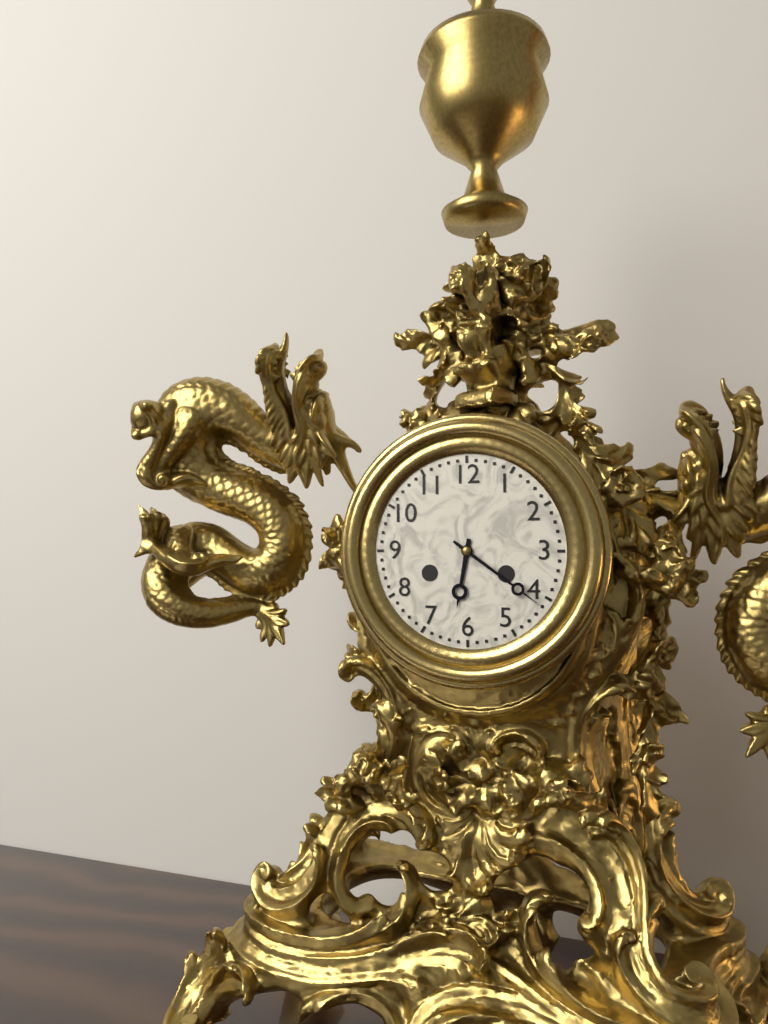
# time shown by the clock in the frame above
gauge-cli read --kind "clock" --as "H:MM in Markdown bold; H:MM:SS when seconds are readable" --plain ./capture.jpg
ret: **6:21**
